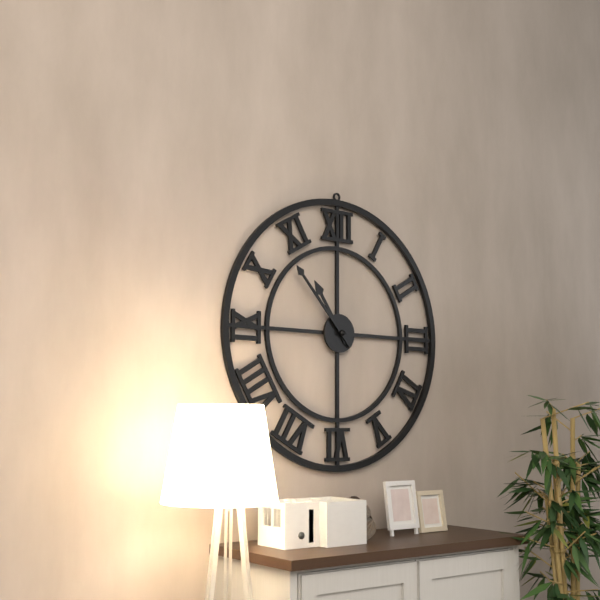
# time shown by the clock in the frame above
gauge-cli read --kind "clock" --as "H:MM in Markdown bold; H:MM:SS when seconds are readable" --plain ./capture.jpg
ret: **10:53**
